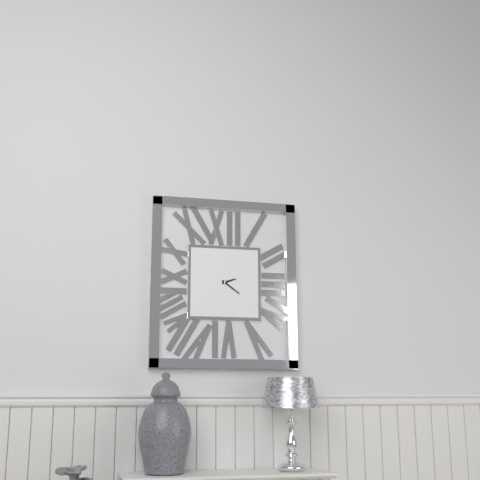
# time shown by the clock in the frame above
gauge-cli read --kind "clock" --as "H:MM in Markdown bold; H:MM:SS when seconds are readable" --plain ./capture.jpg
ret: **2:21**
